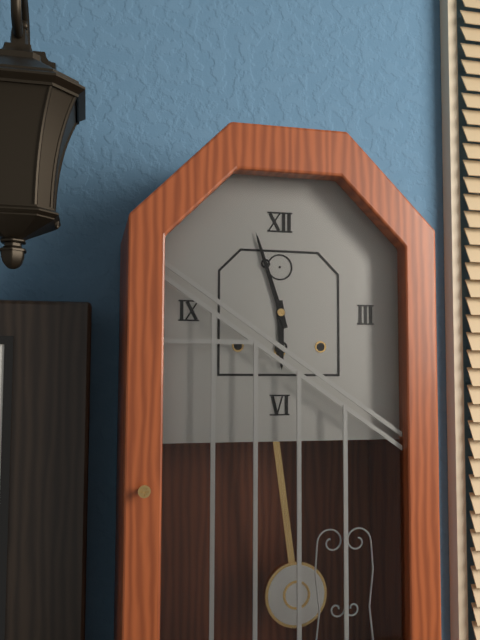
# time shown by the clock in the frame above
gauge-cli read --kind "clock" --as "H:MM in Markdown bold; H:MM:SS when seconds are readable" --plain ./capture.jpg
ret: **5:57**
